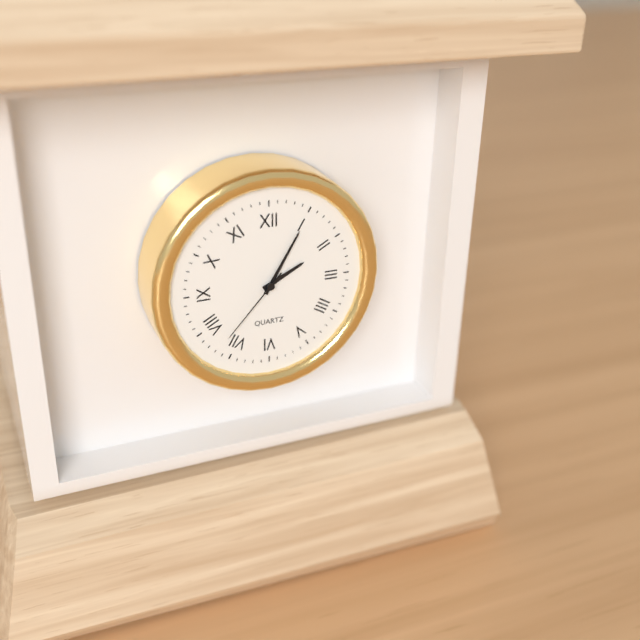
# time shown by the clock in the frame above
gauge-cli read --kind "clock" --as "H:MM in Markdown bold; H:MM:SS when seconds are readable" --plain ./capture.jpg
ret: **2:05:37**
